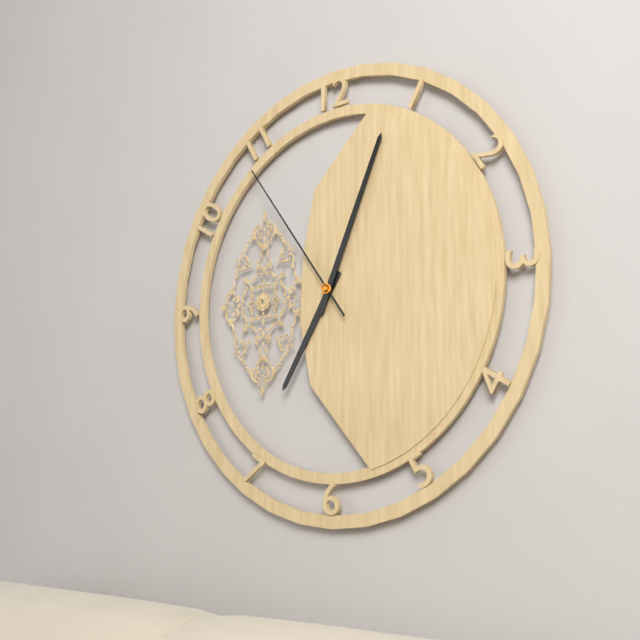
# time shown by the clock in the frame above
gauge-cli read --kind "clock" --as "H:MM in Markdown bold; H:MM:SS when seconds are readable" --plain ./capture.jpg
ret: **7:04:54**
